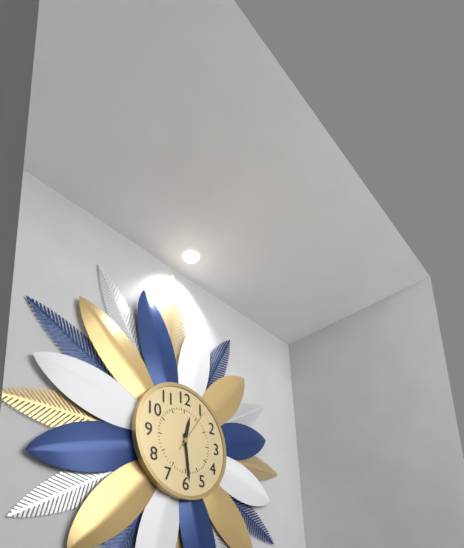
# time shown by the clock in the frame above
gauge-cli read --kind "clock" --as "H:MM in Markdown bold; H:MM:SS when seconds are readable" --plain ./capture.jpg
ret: **12:29:06**
